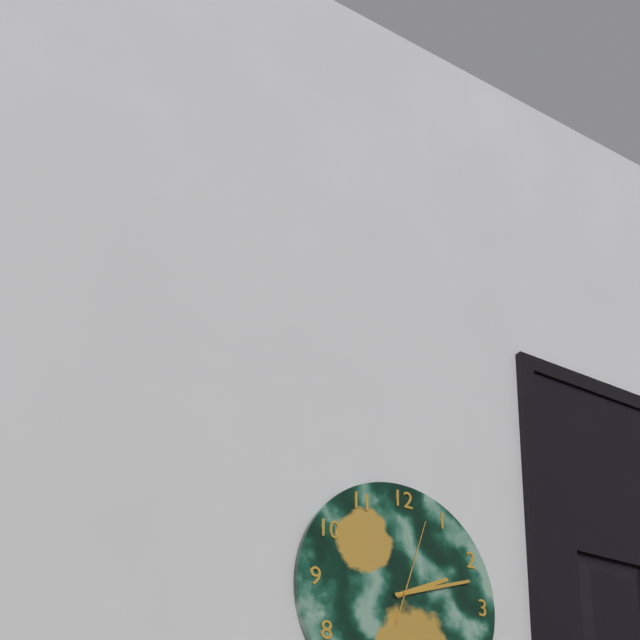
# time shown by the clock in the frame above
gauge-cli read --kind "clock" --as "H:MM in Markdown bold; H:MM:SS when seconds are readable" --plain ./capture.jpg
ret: **2:12:03**
